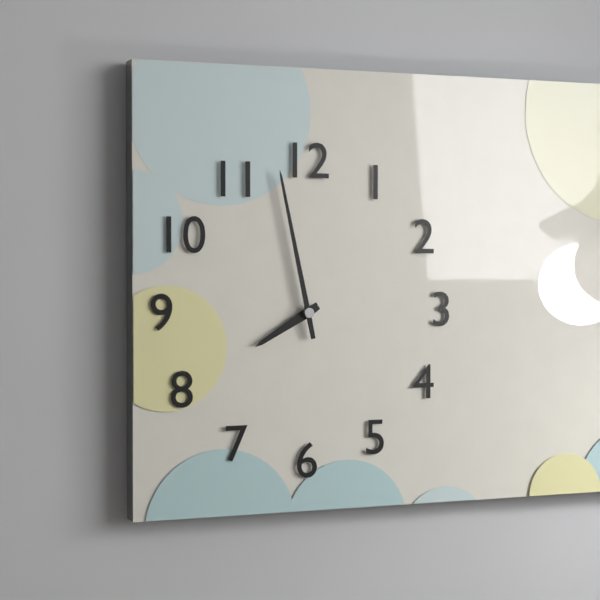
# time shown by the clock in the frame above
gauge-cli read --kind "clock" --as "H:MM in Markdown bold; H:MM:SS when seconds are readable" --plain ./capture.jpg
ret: **7:58**
